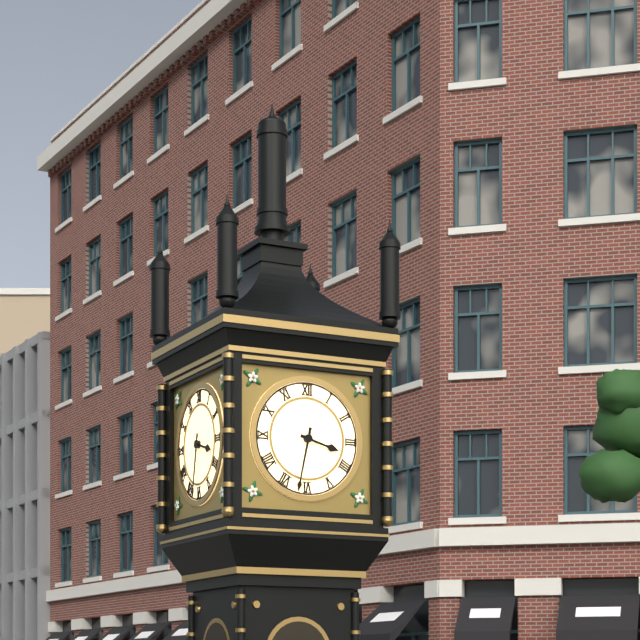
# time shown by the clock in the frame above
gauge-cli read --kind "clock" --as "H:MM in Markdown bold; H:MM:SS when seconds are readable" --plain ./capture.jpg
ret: **3:32**
